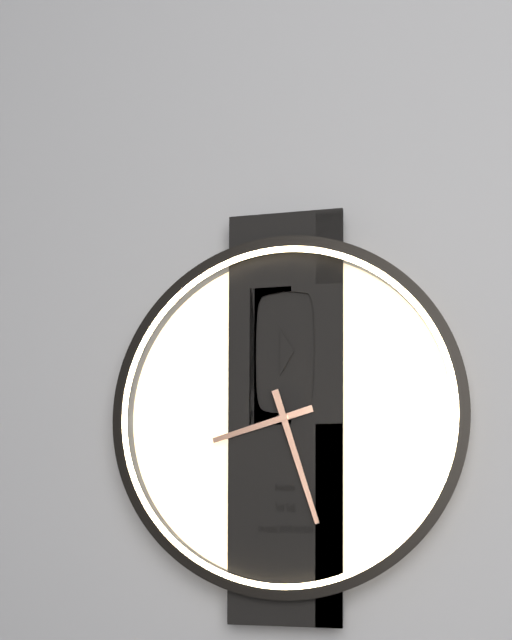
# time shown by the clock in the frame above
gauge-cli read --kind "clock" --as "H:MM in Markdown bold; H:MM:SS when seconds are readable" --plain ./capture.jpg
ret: **8:27**
